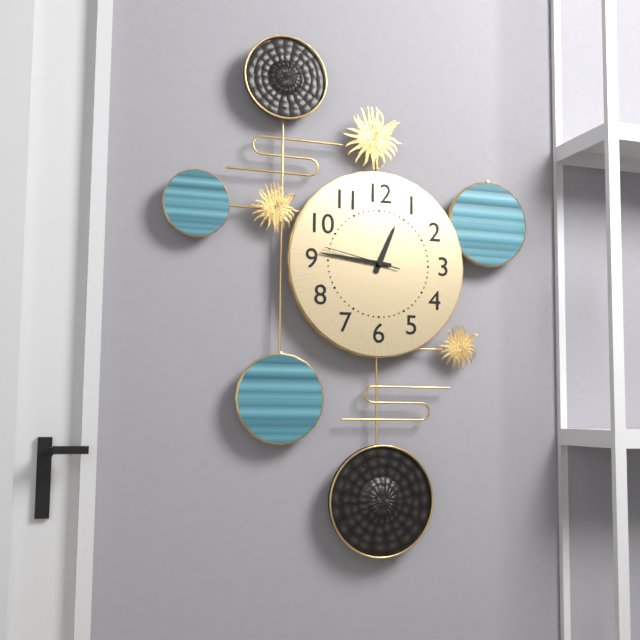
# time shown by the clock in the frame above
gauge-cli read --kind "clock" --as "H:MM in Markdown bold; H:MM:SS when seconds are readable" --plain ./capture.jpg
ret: **12:46:47**
